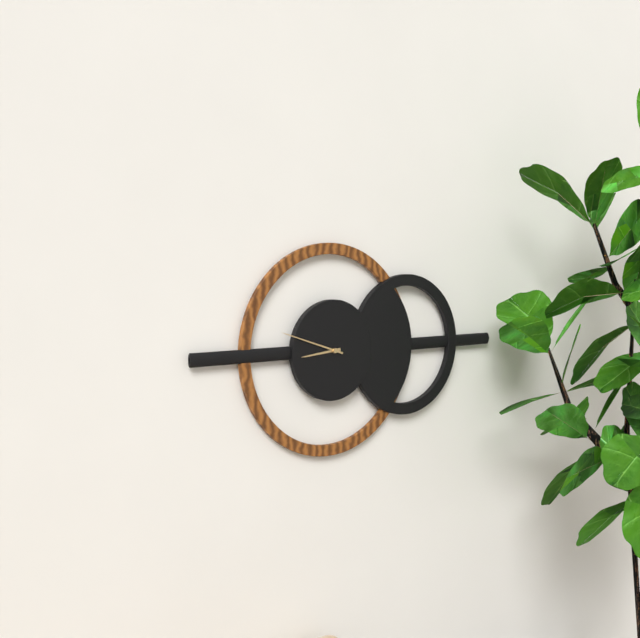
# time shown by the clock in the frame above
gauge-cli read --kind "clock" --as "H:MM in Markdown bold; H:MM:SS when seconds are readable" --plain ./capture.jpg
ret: **8:48**
